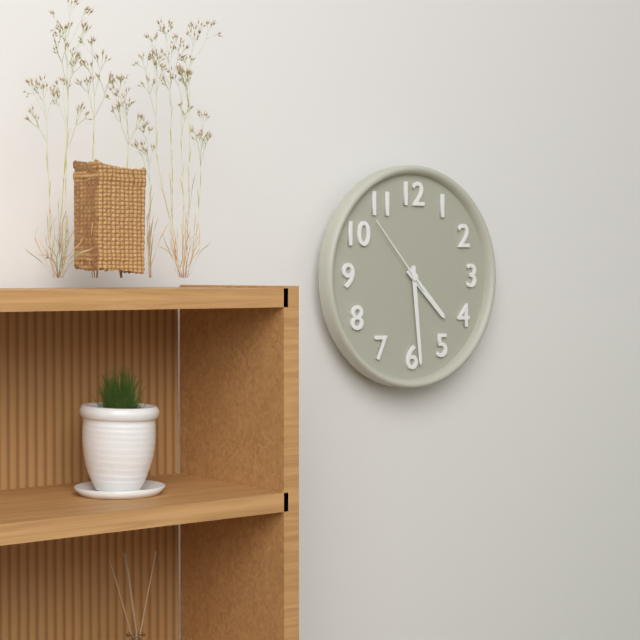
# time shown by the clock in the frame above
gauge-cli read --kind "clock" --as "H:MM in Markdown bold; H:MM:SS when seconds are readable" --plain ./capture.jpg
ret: **4:29:53**
